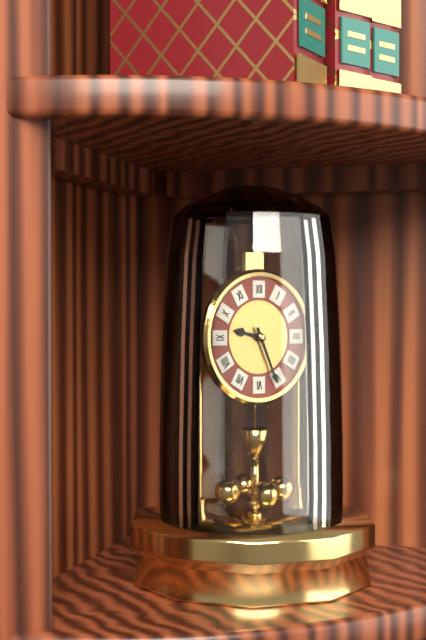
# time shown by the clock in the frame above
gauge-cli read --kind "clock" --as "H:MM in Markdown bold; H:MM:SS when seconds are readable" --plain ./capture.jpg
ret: **9:26**
